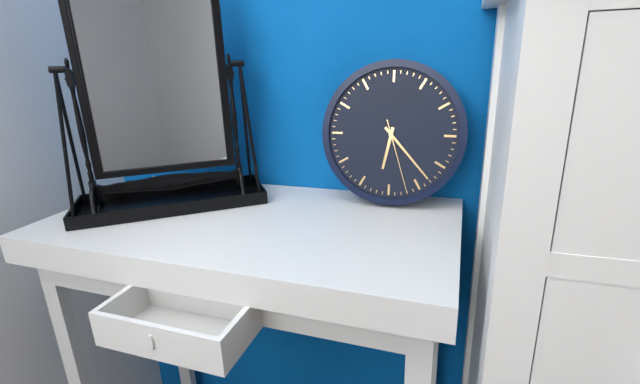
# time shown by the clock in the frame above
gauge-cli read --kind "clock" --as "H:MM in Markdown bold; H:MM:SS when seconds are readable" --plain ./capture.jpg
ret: **6:23:27**
